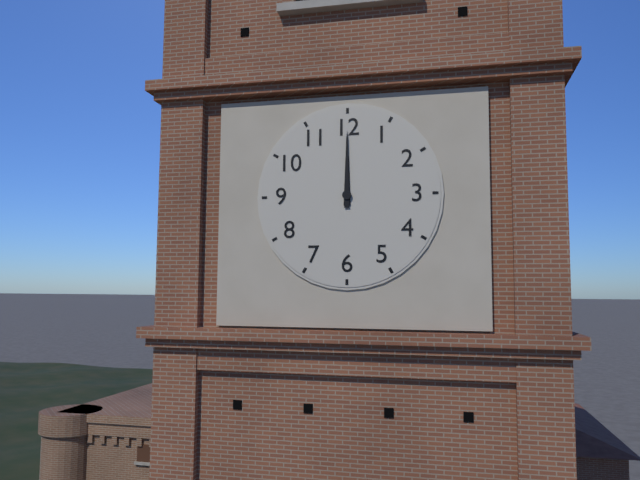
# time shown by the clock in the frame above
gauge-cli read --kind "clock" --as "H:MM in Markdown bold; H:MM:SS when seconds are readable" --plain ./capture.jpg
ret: **12:00**
